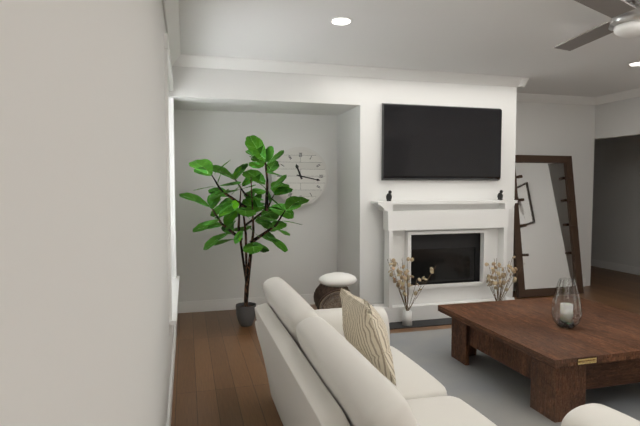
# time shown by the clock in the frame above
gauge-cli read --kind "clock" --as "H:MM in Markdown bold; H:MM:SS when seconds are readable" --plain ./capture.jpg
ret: **11:17**
